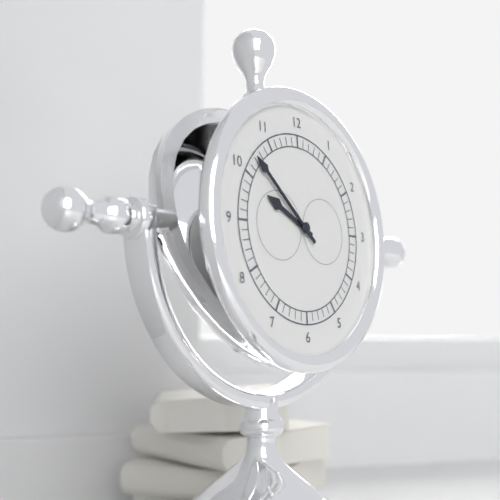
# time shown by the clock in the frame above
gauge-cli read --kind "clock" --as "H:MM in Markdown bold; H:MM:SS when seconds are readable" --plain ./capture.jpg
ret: **9:52**
